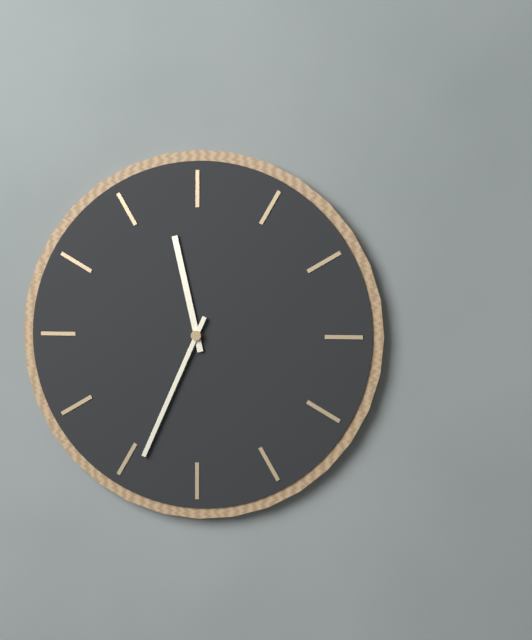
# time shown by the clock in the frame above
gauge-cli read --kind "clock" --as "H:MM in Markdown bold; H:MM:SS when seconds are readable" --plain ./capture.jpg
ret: **11:34**
